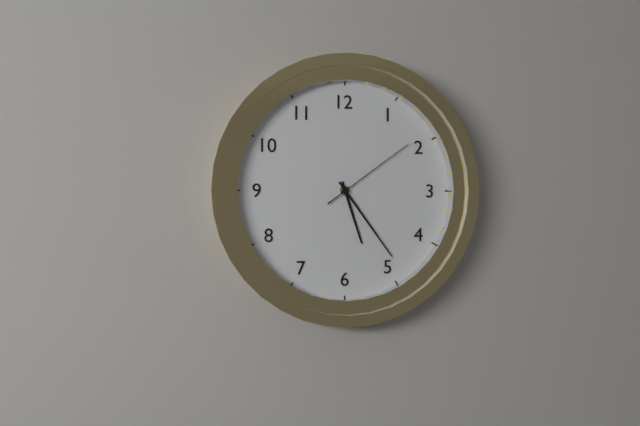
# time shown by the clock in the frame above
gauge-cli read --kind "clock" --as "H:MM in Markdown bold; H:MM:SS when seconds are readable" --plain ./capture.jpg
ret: **5:24:09**
